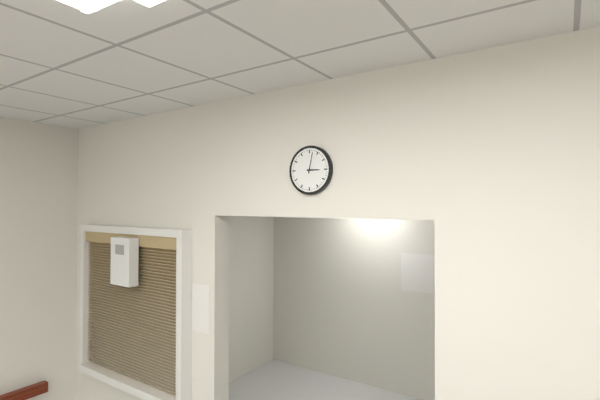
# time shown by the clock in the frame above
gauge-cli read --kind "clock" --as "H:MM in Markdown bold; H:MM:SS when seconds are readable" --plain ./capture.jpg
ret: **3:02**
